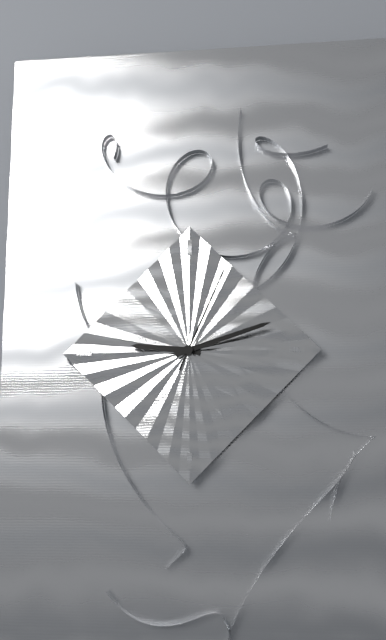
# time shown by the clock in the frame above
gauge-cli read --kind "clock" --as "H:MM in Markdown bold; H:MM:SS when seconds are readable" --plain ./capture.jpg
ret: **9:12:04**
